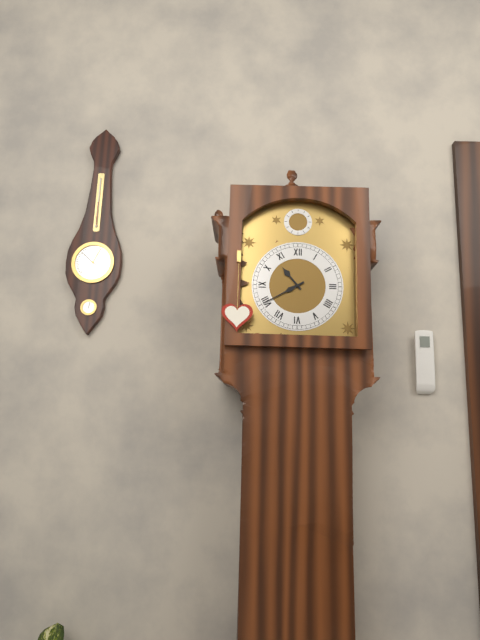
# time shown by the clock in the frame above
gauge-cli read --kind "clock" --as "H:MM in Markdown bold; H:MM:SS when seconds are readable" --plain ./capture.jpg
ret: **10:40**
